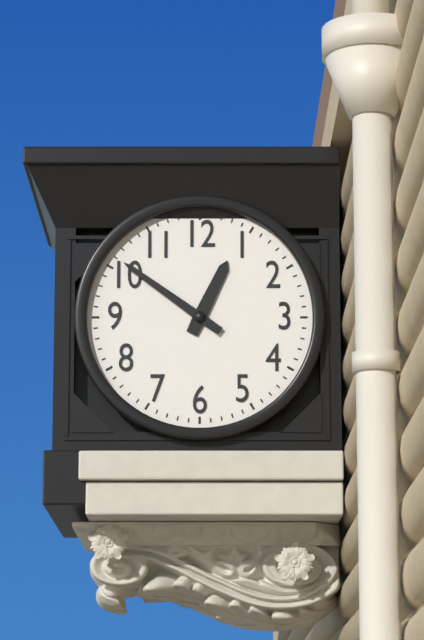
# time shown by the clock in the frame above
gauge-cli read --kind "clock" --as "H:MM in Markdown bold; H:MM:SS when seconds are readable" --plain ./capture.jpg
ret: **12:51**
